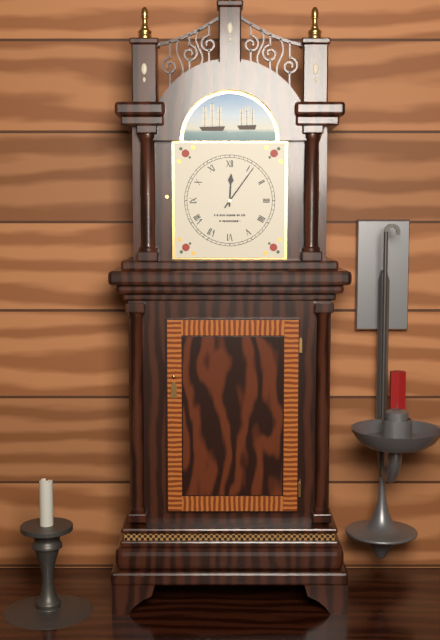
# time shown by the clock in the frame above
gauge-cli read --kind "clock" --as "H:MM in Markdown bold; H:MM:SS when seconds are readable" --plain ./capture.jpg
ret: **12:06**
